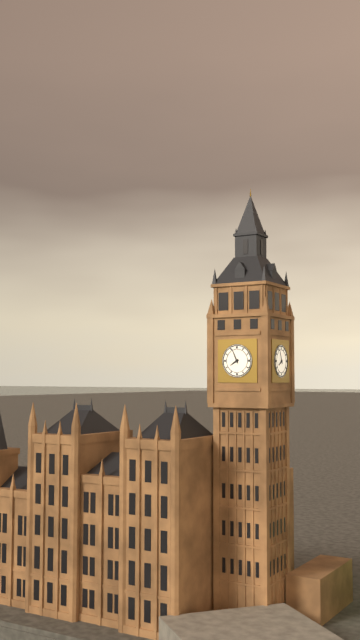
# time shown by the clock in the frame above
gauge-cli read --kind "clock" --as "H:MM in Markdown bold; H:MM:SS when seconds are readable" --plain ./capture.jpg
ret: **7:56**
